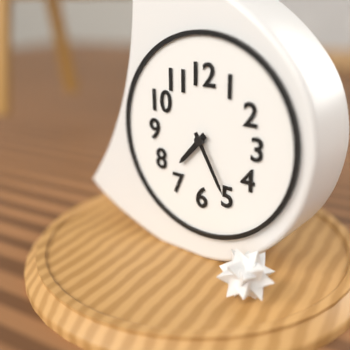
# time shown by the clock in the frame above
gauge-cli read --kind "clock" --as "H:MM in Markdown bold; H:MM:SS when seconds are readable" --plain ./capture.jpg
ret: **7:25**
